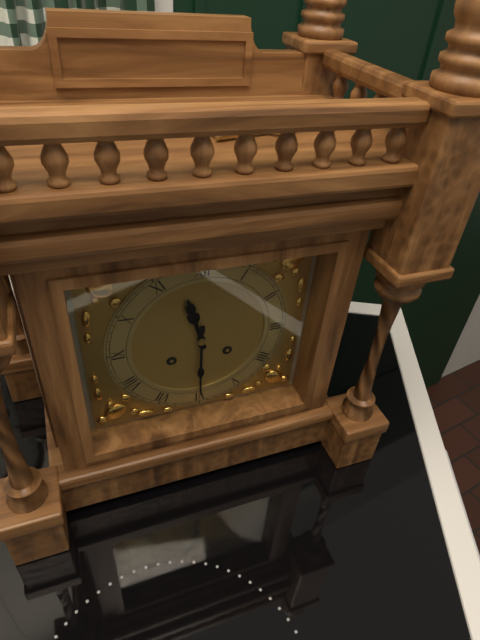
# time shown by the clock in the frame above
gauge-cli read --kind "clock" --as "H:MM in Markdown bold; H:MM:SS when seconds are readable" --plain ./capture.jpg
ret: **11:30**
